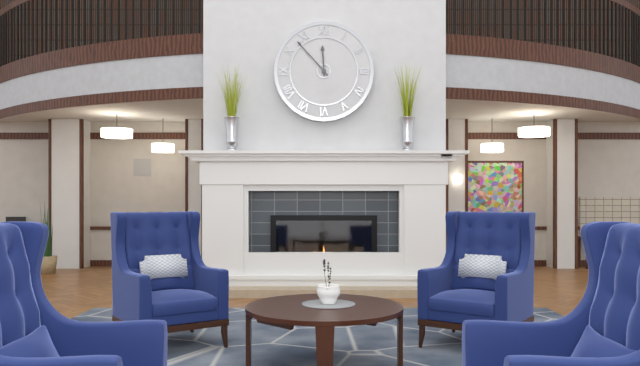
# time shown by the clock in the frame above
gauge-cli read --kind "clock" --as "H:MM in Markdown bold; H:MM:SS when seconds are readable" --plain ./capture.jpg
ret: **11:53**
